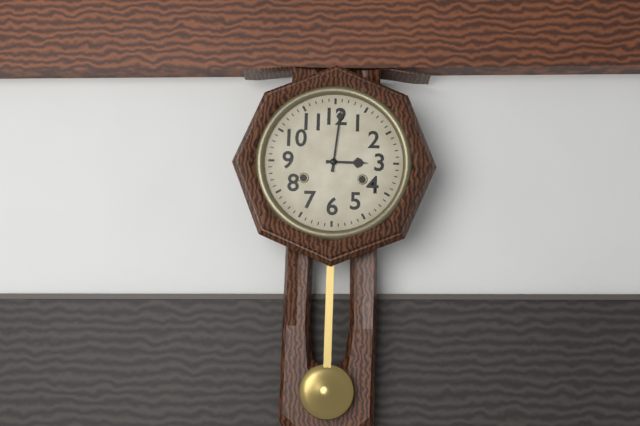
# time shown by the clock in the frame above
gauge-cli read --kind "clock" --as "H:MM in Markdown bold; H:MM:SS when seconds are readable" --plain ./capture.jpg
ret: **3:01**
